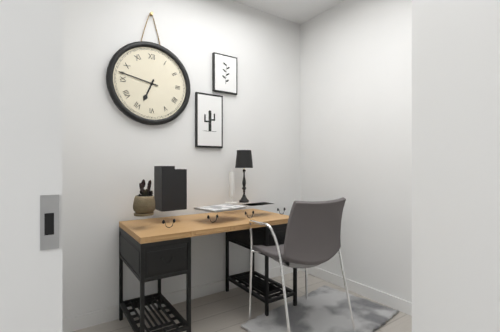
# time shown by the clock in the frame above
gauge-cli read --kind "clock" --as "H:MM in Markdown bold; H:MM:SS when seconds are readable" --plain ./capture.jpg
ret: **6:47**
